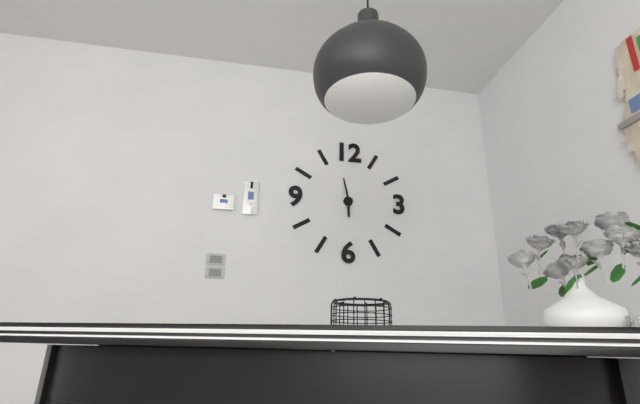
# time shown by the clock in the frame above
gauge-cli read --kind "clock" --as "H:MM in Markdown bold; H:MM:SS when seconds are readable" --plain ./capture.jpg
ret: **5:58**
